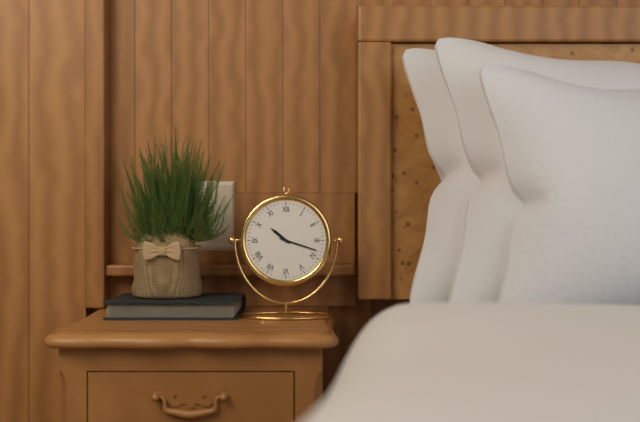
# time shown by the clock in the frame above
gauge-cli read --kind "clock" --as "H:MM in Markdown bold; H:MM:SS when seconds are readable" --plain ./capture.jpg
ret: **10:18**
